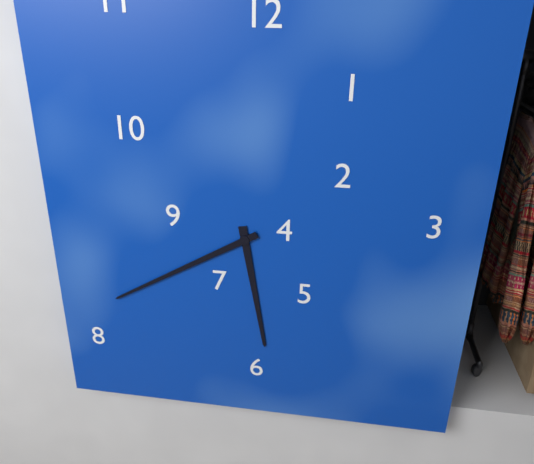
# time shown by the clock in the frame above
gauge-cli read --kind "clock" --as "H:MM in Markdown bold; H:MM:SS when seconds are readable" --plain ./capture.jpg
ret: **5:40**
